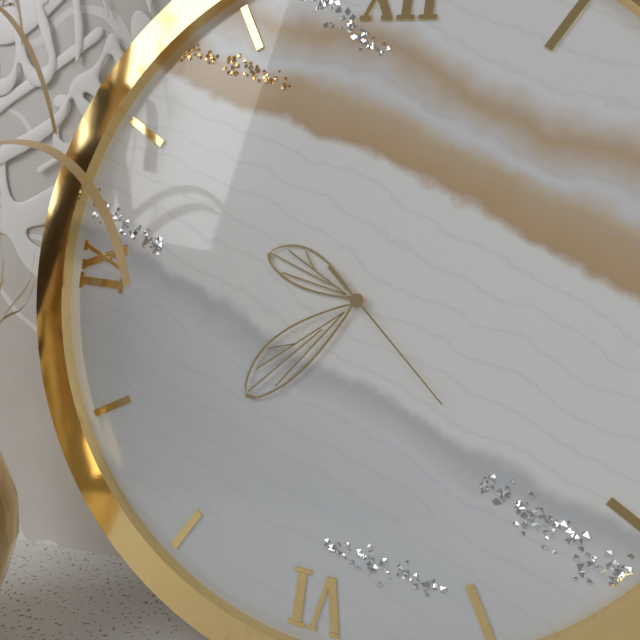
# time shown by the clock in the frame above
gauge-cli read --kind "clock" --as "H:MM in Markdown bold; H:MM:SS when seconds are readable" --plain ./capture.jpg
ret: **9:37:22**
